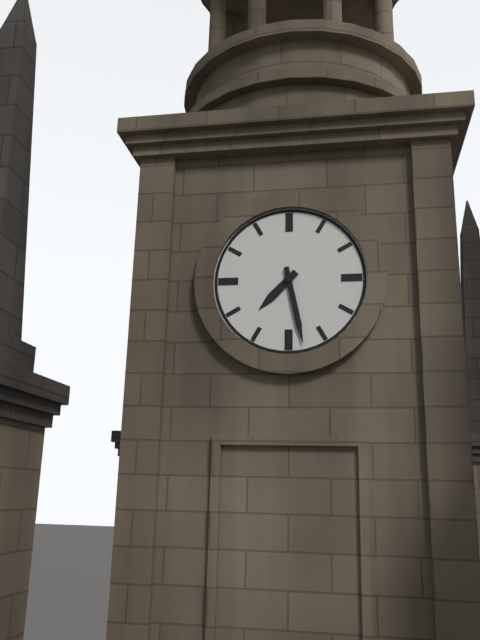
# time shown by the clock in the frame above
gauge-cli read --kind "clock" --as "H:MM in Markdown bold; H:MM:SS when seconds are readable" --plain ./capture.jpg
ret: **7:28**
